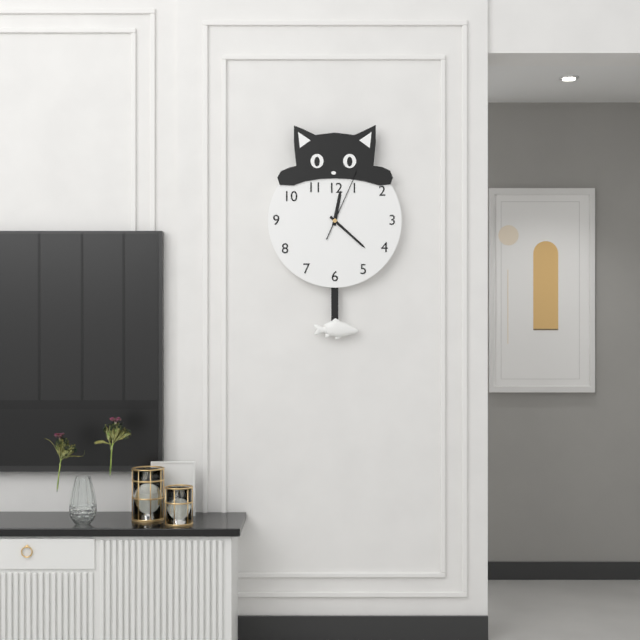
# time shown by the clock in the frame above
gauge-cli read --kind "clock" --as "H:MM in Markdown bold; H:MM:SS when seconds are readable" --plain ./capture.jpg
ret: **12:22:04**
